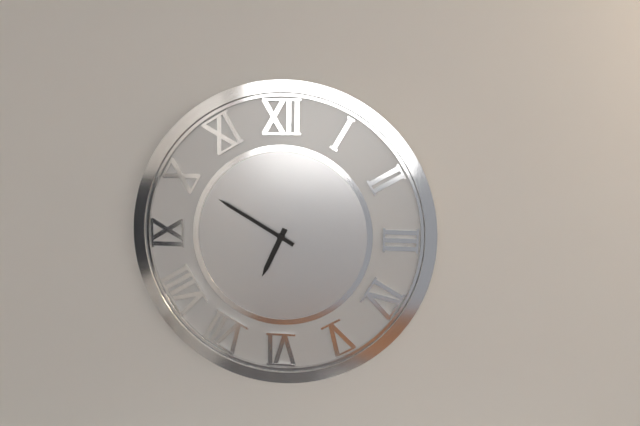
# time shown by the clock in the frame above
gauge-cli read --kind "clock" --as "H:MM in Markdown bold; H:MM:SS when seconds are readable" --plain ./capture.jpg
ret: **6:50**
